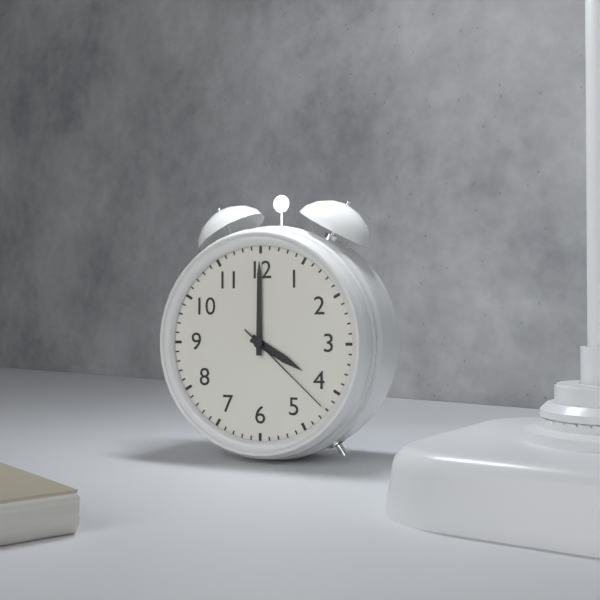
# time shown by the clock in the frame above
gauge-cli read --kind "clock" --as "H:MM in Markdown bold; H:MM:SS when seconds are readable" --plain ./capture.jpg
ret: **4:00:22**
